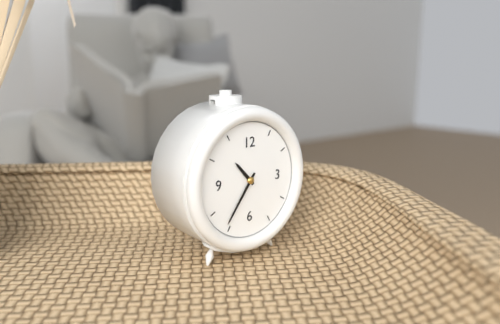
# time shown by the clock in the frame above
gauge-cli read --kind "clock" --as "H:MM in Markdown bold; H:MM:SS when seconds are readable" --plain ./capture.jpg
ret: **10:36**
